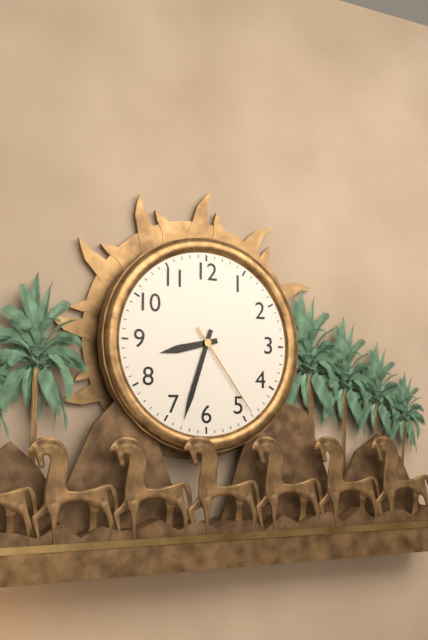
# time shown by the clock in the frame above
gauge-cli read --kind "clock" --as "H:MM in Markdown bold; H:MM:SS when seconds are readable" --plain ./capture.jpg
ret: **8:33:24**
